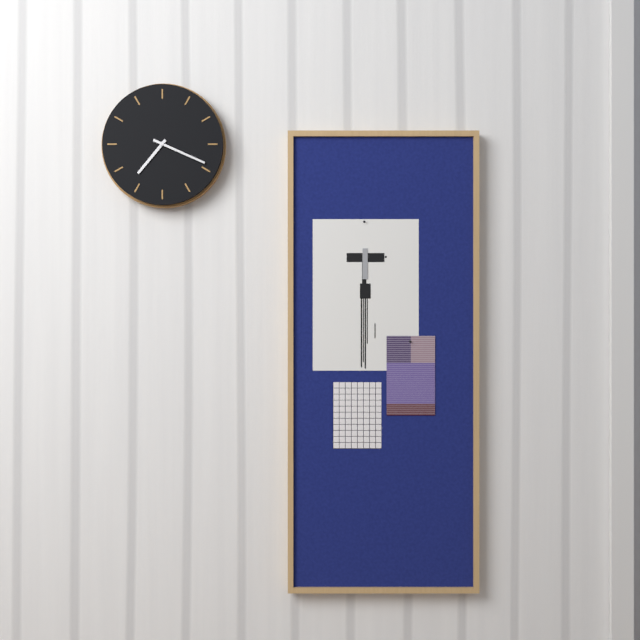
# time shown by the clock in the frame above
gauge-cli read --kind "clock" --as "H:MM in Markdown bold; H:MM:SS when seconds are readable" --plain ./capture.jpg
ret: **7:19**
